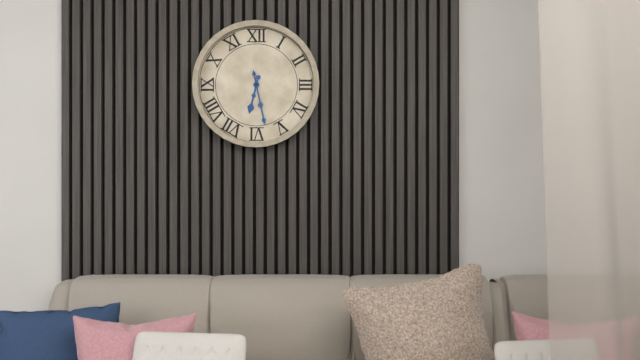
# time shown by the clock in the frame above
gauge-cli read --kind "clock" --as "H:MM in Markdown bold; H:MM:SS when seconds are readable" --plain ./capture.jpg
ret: **6:28**
